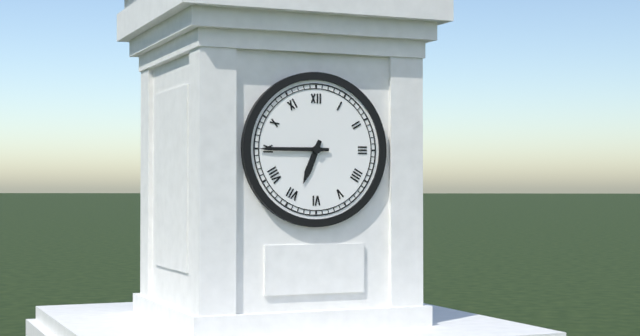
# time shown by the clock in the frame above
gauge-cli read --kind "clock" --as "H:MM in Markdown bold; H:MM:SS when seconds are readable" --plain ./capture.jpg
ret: **6:45**
